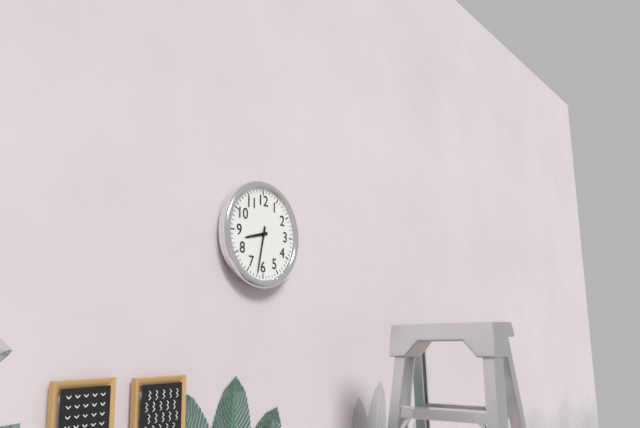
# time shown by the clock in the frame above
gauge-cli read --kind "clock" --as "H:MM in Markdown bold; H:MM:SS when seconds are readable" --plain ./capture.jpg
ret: **8:32**
